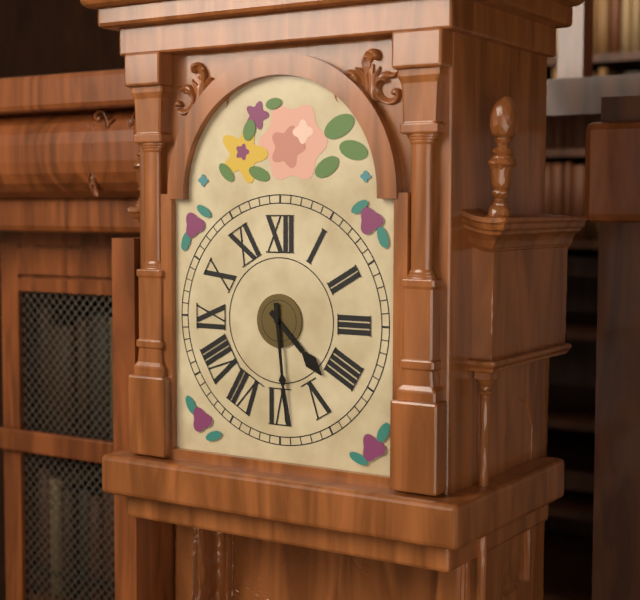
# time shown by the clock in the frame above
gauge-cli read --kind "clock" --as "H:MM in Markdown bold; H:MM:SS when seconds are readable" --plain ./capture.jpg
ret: **4:29**
